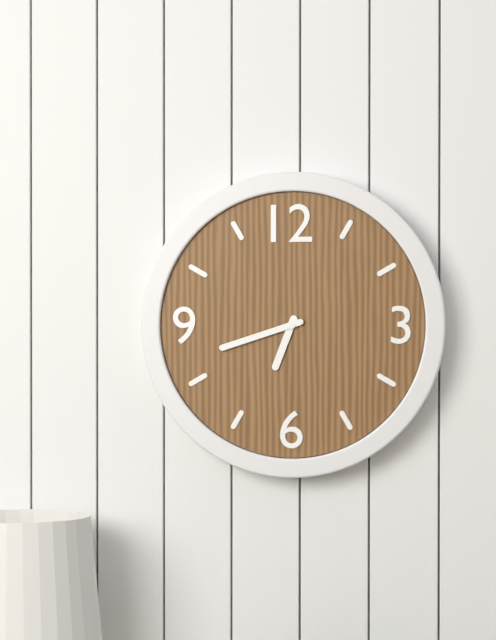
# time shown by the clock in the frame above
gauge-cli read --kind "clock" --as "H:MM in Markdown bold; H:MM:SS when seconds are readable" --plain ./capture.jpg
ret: **6:42**
